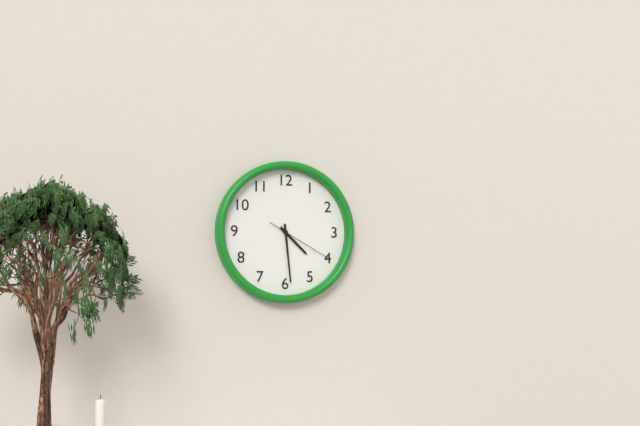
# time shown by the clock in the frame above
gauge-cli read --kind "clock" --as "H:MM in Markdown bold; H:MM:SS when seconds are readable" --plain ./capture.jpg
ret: **4:29:20**
